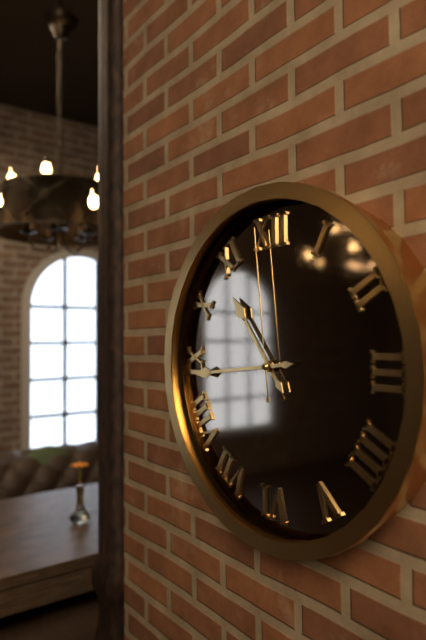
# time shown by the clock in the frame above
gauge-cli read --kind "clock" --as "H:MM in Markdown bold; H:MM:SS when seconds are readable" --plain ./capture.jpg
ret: **10:44:59**
